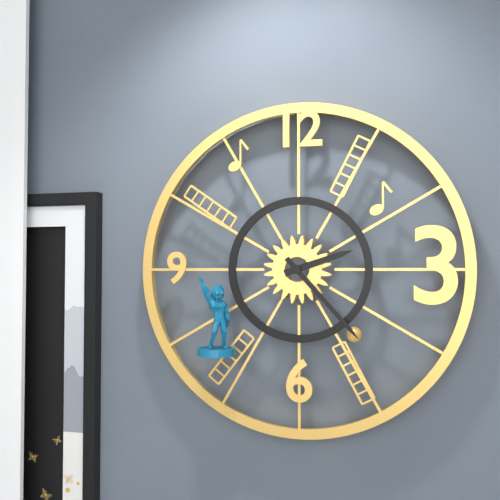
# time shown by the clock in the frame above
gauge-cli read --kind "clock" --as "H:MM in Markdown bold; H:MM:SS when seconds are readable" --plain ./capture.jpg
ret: **2:23**
